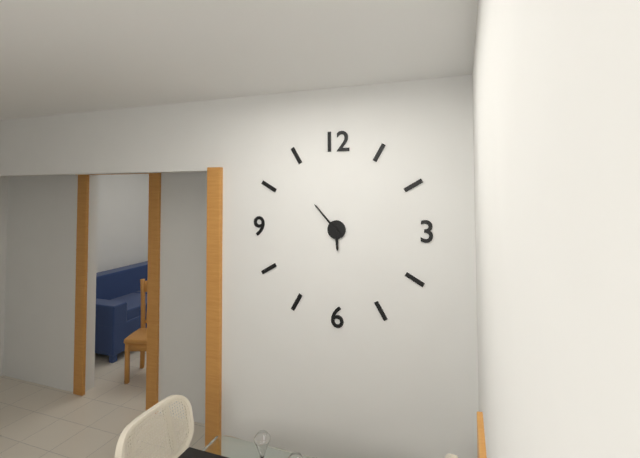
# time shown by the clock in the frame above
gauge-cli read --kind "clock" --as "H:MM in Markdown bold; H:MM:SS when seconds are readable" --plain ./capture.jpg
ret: **5:53**
